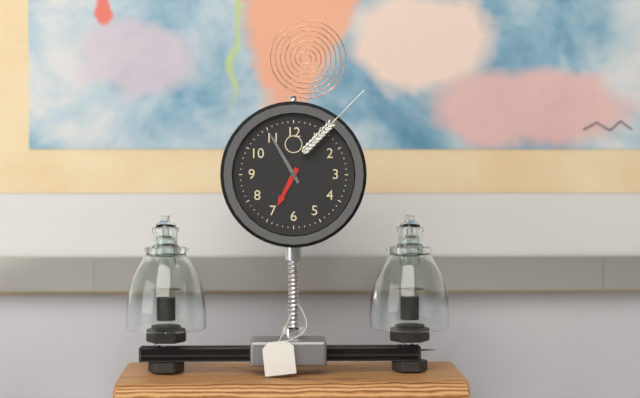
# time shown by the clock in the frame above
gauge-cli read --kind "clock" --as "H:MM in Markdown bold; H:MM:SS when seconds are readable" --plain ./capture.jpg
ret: **6:55**
